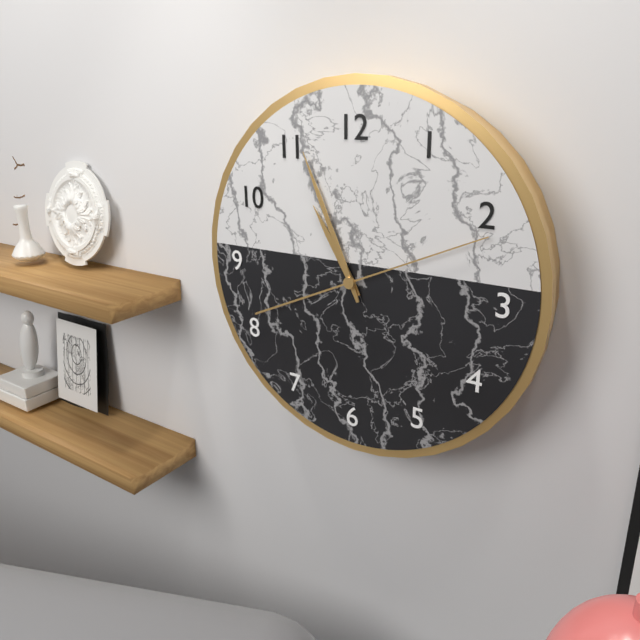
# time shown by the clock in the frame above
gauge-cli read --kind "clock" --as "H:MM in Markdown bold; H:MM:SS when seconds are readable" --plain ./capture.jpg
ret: **10:56:11**
